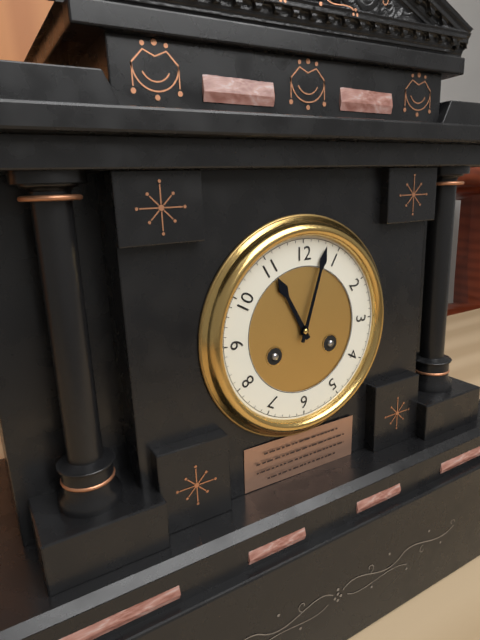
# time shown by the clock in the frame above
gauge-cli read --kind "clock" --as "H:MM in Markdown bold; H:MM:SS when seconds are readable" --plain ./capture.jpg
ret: **11:03**
